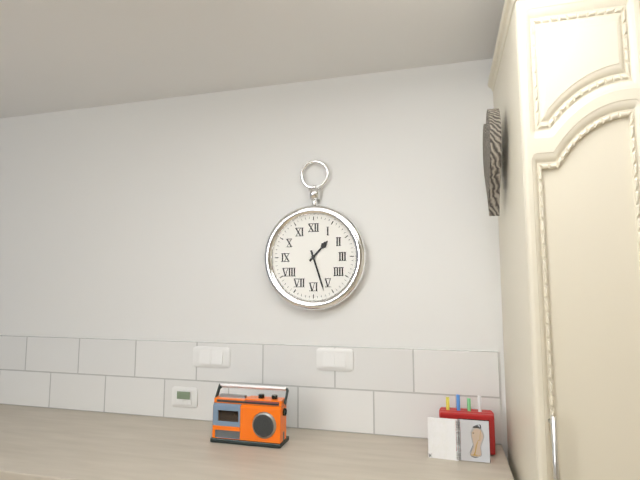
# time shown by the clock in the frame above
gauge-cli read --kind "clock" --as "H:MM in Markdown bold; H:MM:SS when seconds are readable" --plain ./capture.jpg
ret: **1:27**
